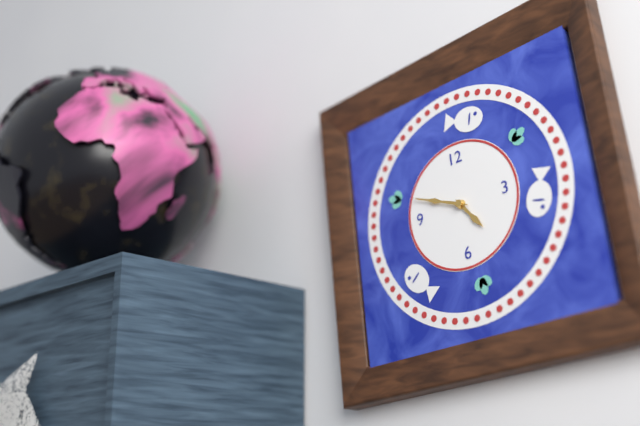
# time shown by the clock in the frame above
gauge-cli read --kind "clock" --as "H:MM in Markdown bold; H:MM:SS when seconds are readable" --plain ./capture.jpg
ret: **4:49**
